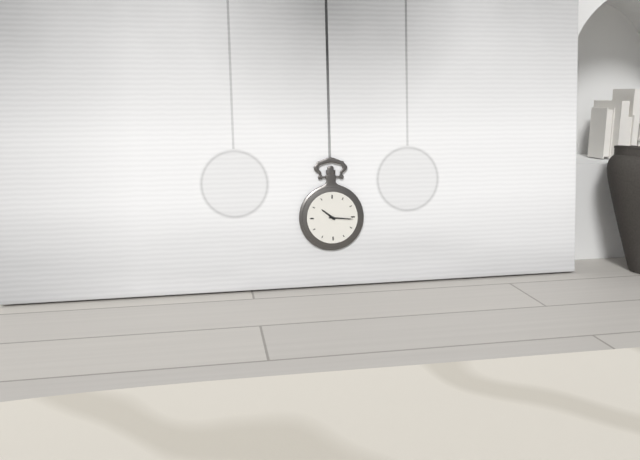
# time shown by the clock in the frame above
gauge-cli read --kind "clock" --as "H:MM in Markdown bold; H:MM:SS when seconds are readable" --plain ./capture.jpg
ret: **10:16**
